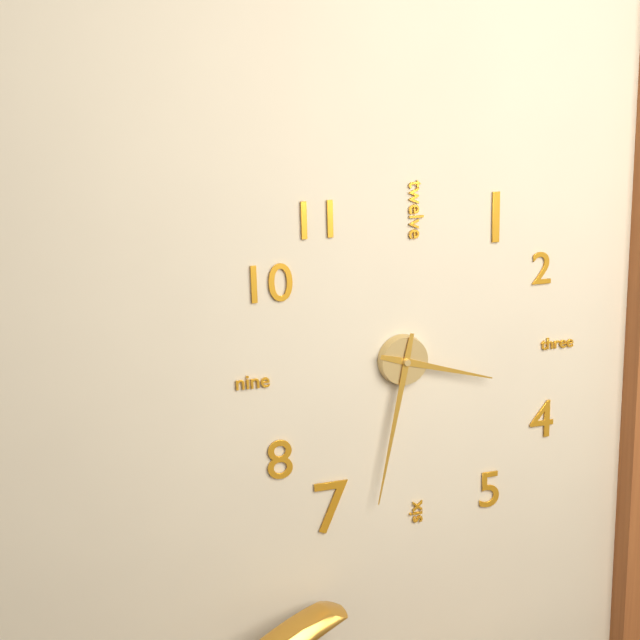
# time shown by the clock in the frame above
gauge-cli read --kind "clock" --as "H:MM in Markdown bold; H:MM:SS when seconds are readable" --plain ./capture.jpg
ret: **3:32**
